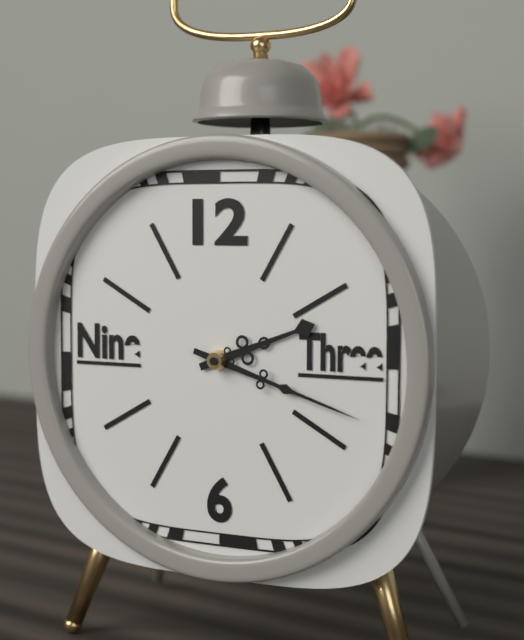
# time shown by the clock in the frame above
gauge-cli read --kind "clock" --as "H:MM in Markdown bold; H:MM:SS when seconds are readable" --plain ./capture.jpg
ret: **2:18**
